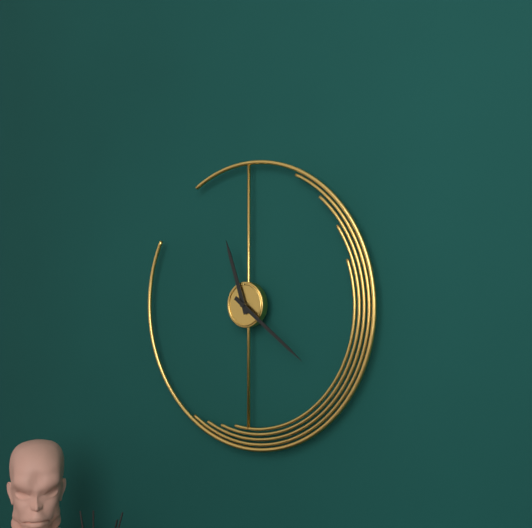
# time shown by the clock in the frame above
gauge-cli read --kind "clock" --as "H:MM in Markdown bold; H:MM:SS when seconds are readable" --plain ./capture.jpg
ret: **11:21**
